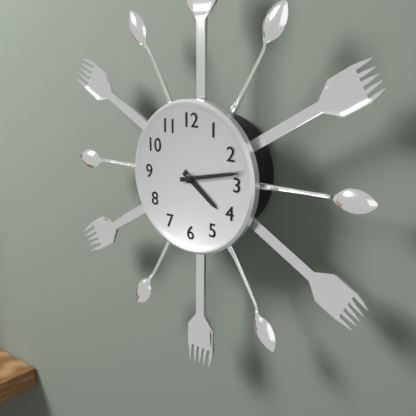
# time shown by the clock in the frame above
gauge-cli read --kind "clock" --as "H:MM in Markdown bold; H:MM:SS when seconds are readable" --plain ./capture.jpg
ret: **4:13**
